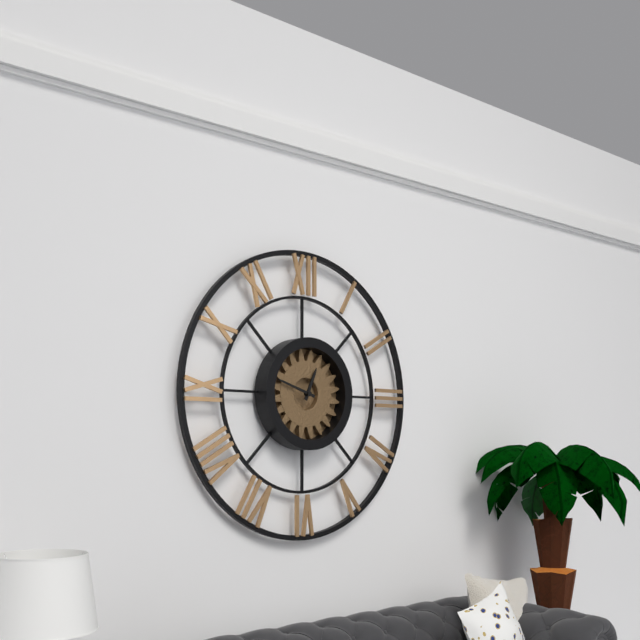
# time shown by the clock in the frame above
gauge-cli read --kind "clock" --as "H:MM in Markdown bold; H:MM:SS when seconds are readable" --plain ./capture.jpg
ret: **12:48**
